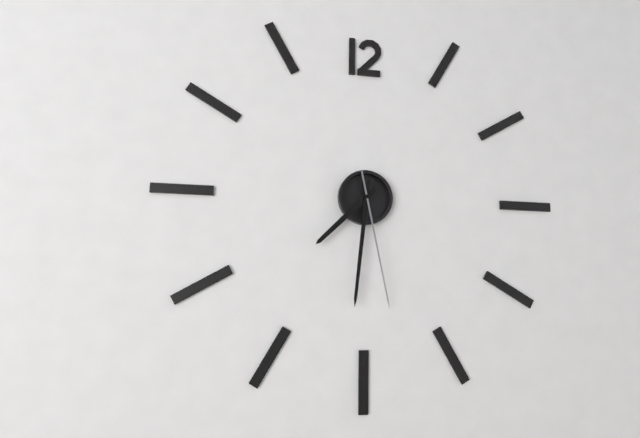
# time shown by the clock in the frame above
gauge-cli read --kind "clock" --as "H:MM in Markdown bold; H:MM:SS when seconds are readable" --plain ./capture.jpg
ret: **7:31:28**
